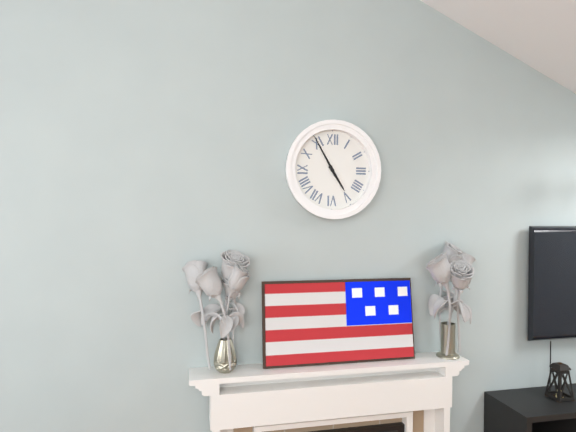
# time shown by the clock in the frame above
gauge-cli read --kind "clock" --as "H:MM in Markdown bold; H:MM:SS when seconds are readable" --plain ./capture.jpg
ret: **4:55**
